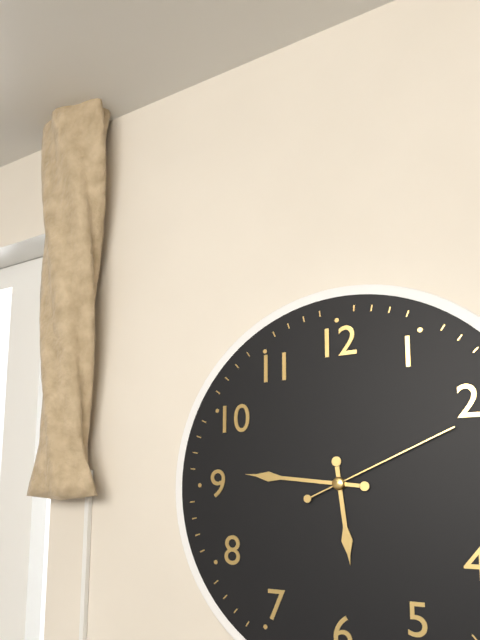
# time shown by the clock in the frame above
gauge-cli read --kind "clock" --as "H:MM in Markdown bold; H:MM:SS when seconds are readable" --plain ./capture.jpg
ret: **5:46:11**
